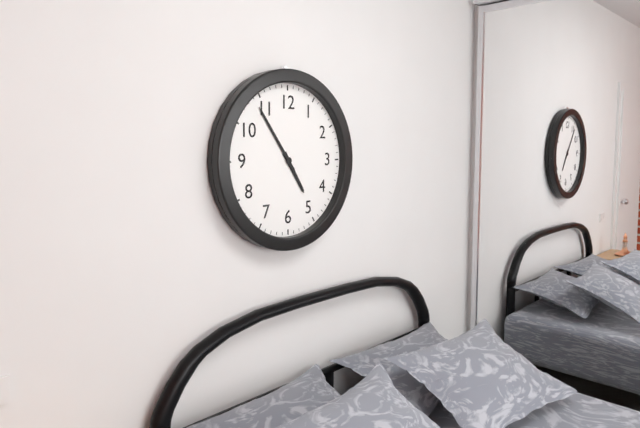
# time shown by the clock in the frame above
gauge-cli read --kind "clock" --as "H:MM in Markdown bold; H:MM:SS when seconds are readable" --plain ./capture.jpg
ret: **4:54**
